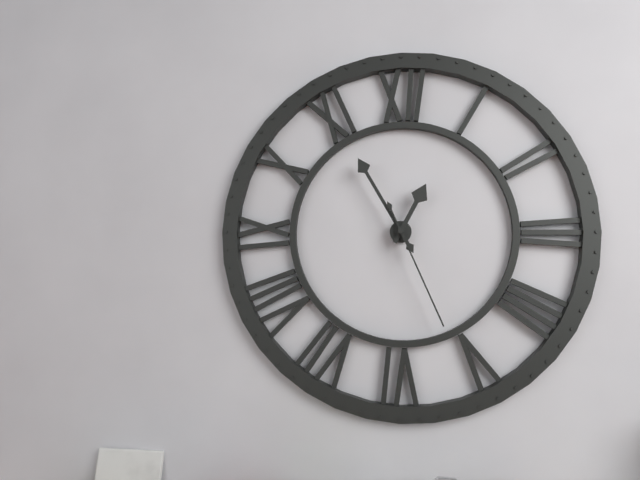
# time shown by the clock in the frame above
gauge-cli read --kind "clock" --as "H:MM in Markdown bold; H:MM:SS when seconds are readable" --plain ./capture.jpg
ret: **12:55:26**
